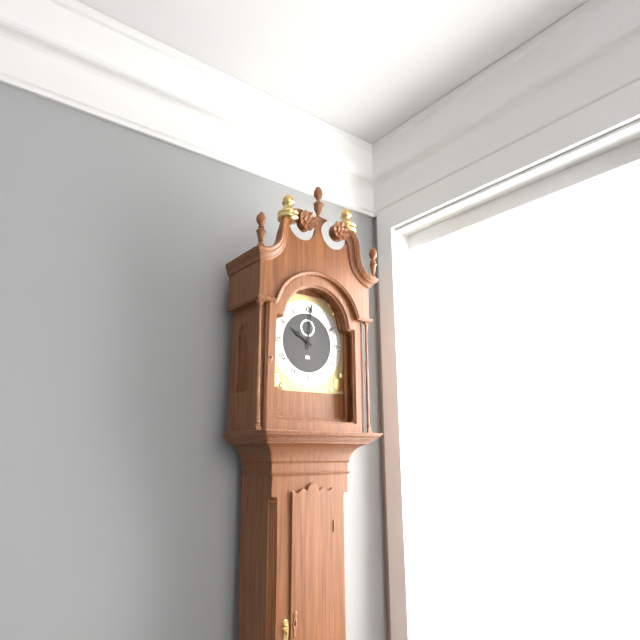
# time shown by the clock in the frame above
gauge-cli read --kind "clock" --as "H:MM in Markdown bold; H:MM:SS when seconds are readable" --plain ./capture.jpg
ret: **10:01**
